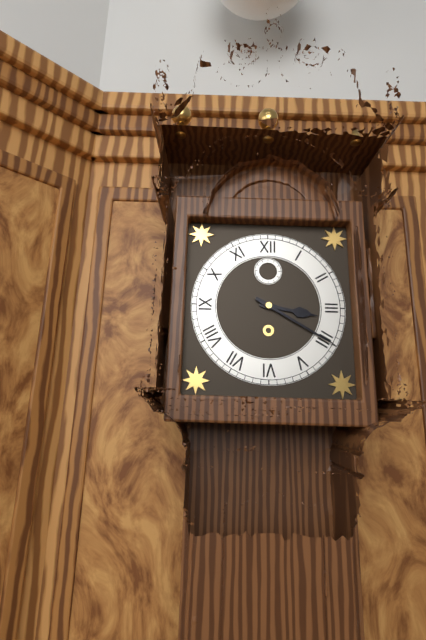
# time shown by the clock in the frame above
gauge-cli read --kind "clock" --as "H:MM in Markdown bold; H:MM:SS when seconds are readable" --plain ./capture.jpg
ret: **3:20**
